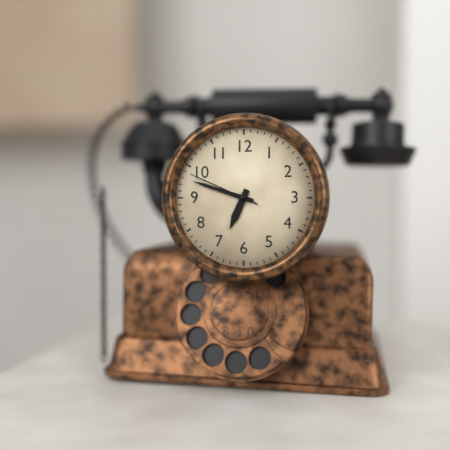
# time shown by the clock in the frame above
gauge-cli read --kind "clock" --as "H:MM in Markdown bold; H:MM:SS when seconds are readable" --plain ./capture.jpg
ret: **6:48:49**
